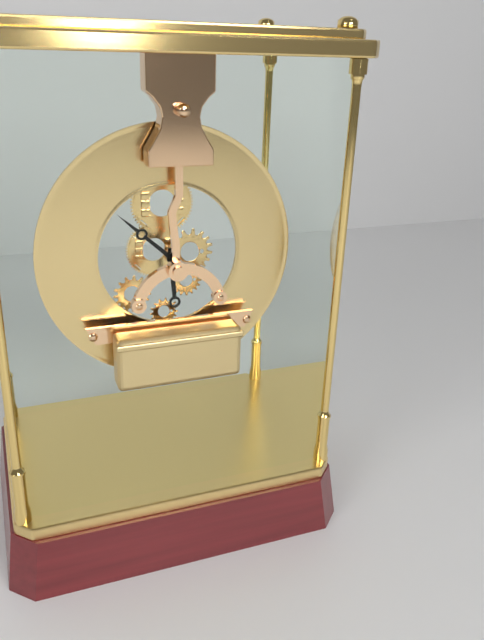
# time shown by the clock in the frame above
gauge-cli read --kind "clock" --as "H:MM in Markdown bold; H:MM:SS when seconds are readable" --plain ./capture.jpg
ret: **5:52**
